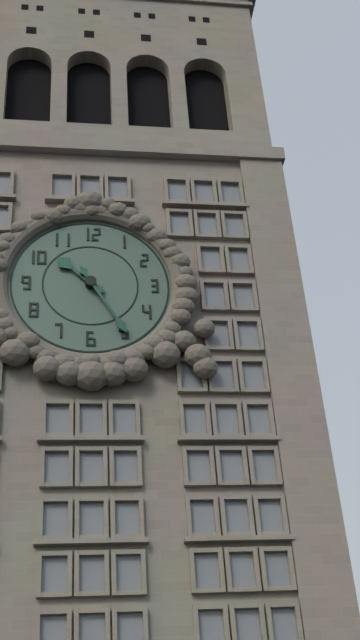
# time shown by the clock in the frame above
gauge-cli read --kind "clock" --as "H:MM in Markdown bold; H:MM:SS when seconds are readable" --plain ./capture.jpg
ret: **10:25**
